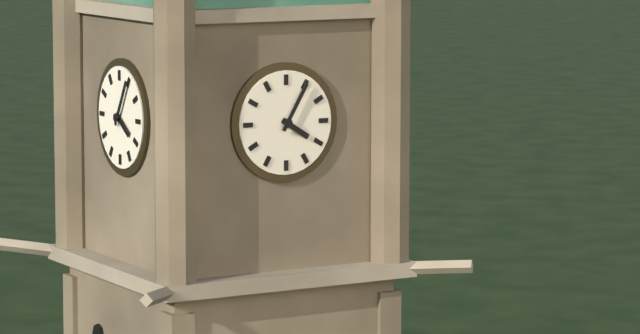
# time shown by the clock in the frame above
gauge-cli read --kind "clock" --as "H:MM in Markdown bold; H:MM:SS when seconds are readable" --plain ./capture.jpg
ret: **4:05**
